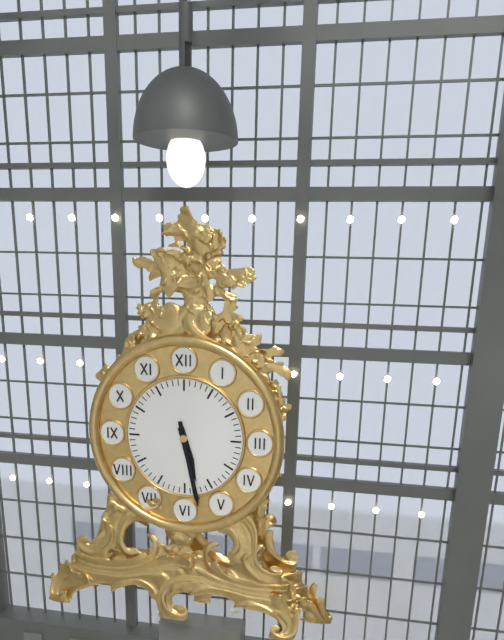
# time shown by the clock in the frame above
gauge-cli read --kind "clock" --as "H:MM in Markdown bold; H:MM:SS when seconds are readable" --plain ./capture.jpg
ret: **5:28**
